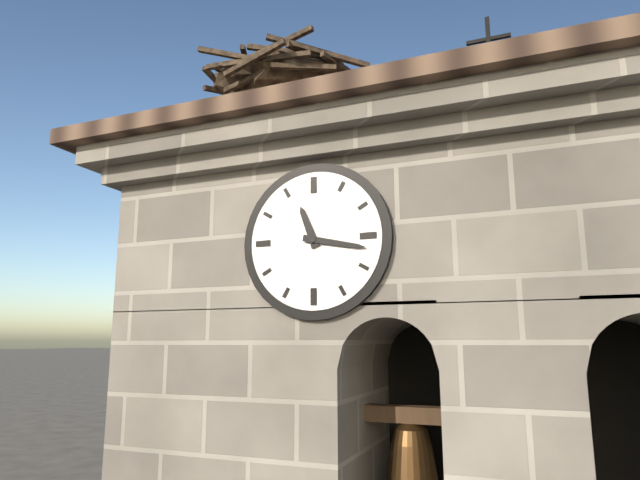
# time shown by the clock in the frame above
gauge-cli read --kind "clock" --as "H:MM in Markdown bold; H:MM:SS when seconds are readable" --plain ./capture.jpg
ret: **11:17**
